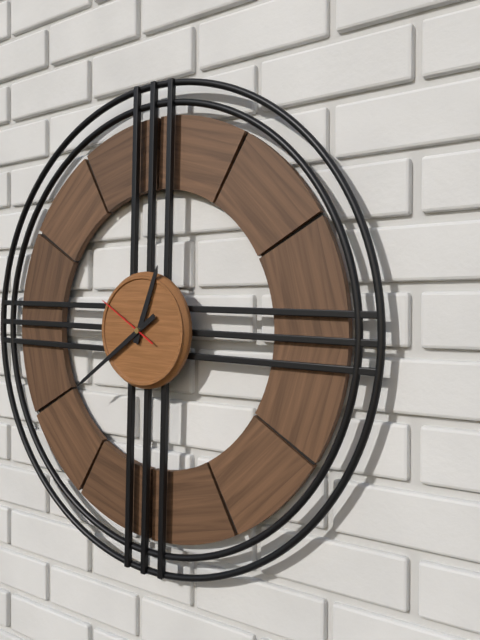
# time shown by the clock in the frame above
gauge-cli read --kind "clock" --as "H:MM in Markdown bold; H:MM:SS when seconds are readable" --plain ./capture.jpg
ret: **12:39:50**
